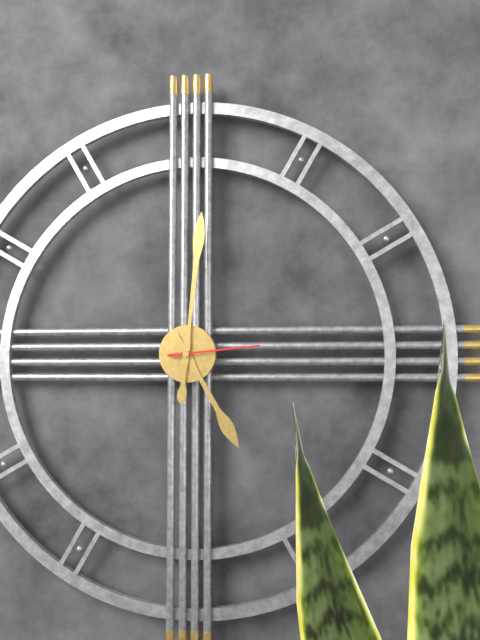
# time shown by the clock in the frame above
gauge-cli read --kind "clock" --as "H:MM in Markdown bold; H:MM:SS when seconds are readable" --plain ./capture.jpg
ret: **5:01:14**
